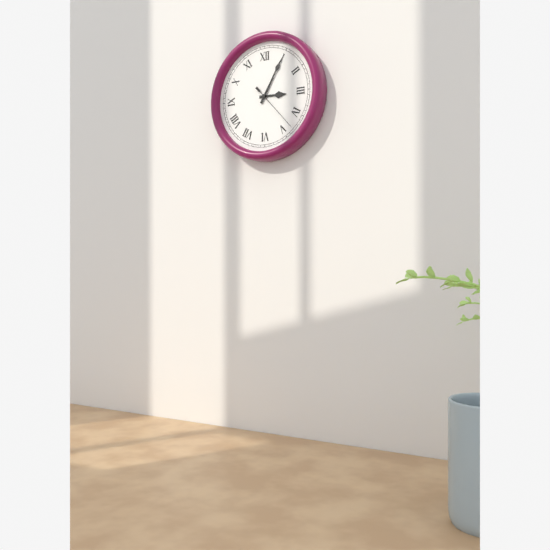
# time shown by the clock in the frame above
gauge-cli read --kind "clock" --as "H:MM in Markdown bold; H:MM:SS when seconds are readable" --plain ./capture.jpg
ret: **3:05:23**
